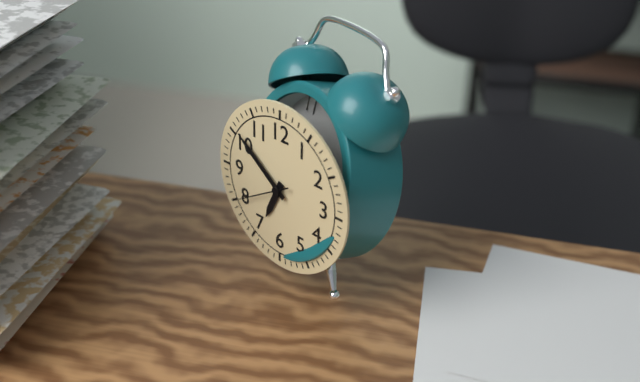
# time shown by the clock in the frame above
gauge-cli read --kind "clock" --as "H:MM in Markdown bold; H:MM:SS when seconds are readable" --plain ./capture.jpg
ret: **6:51:40**
